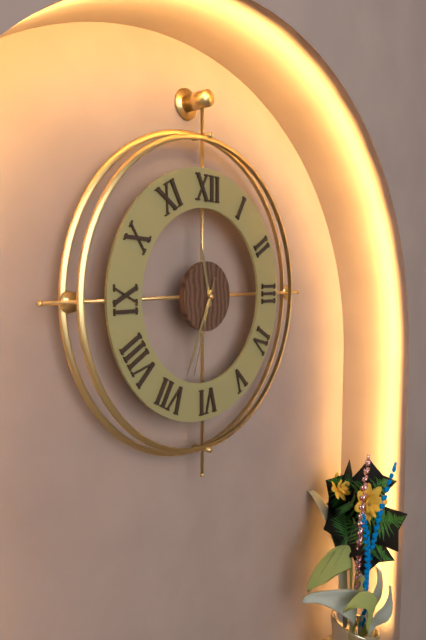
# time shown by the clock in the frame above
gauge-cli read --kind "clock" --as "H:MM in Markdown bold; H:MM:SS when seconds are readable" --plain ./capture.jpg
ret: **11:34:33**
